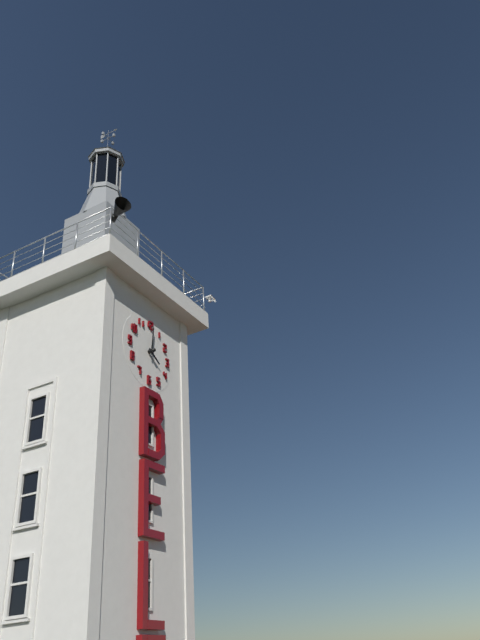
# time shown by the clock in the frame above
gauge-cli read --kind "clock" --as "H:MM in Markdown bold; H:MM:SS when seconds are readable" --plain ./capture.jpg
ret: **4:01**
